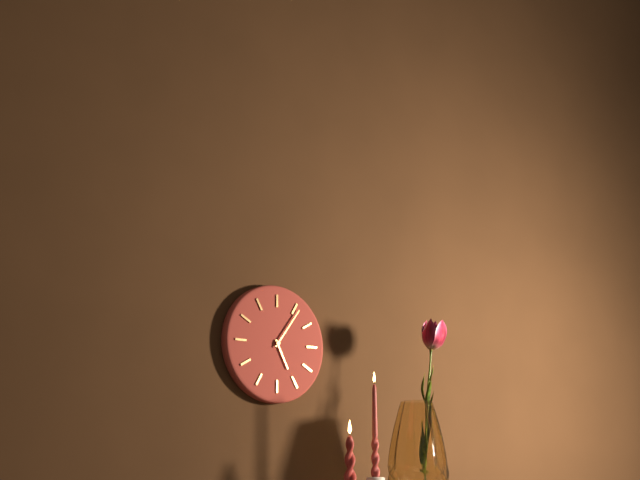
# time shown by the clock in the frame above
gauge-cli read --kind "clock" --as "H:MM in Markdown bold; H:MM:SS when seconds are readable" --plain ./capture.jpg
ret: **5:06**
